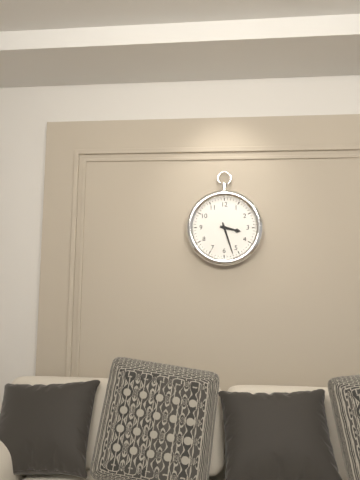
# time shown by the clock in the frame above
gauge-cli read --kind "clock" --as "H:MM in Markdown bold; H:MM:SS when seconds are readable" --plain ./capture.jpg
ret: **3:27**
